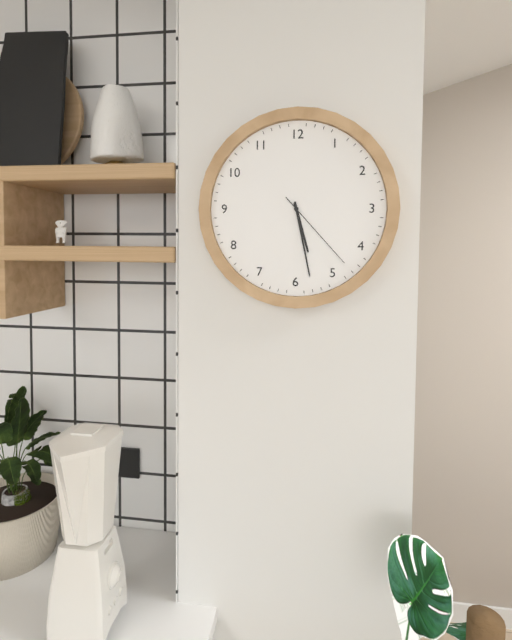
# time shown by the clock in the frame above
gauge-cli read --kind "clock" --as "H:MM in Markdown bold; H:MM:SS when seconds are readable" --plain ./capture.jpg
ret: **5:28:23**
